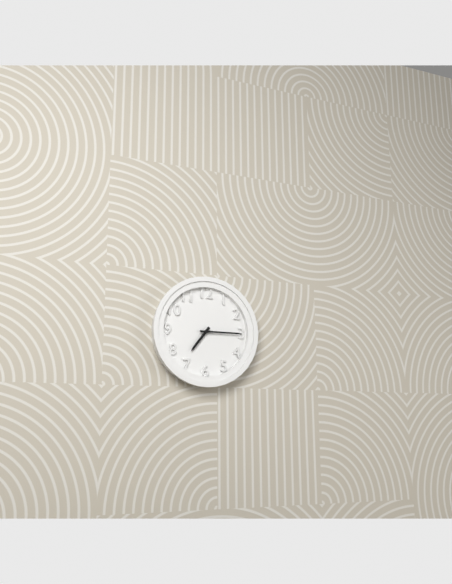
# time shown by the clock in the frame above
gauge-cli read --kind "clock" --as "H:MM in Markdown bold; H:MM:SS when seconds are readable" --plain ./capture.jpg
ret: **7:15**
